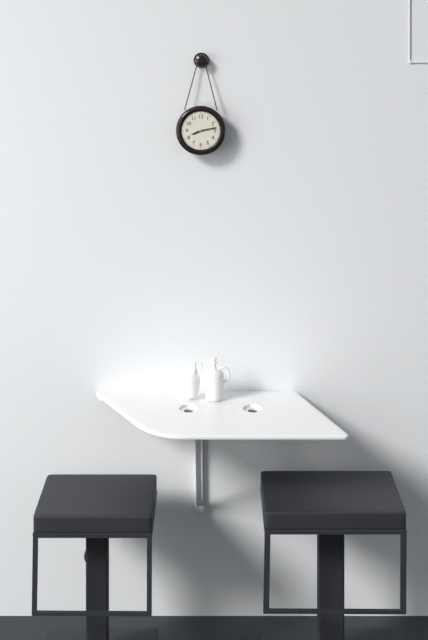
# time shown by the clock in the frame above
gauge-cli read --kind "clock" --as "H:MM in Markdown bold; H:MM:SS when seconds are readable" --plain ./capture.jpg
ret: **8:13**
